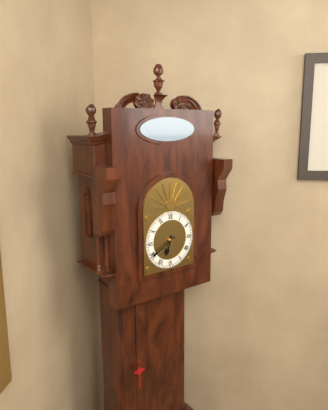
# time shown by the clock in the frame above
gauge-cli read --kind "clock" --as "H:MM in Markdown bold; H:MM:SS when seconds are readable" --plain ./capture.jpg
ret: **6:40**
